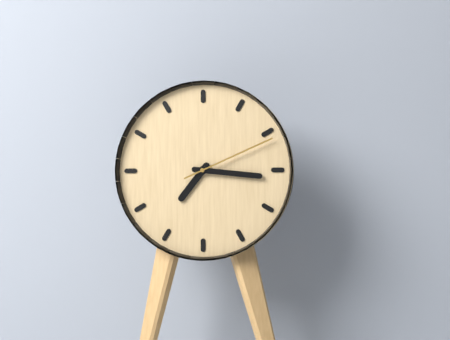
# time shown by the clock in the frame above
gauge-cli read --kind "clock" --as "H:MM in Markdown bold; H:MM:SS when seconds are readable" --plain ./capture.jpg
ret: **7:16:11**
